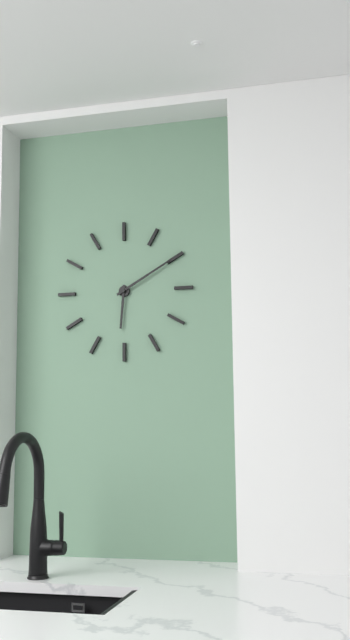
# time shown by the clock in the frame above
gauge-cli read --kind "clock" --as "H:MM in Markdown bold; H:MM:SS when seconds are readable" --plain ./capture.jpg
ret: **6:10**
